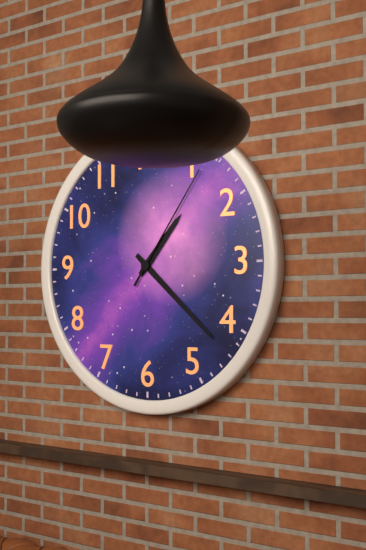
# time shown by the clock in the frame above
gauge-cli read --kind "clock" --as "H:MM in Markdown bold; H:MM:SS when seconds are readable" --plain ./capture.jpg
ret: **1:22:06**
